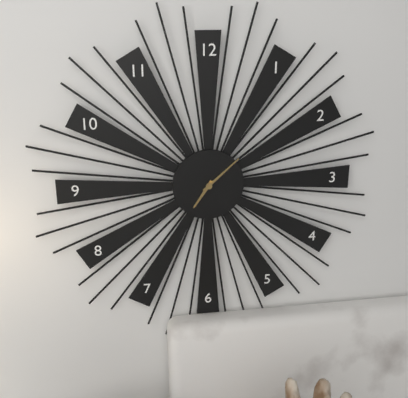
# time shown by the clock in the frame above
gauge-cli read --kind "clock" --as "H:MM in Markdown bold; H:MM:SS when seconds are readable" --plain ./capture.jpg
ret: **7:08**
